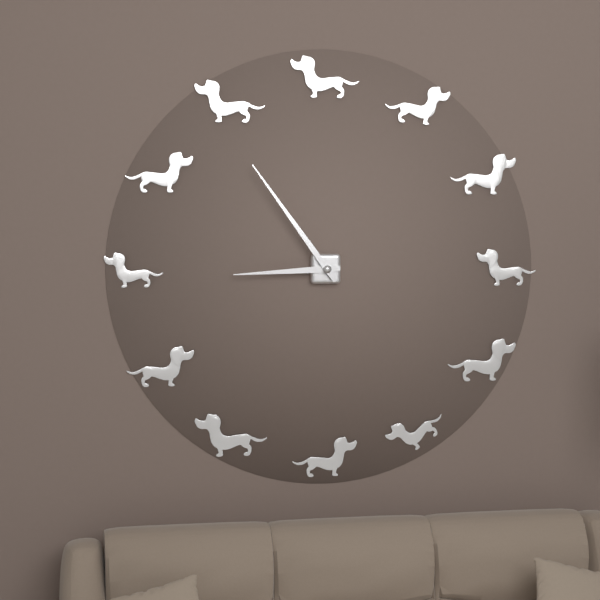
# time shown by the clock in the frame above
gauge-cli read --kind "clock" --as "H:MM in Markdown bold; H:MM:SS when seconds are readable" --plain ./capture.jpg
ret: **8:54**
